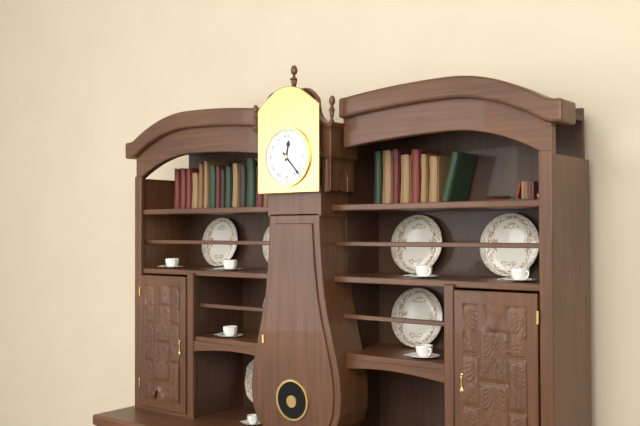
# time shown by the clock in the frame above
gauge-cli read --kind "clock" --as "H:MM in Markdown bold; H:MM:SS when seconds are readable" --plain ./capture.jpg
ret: **12:23**
